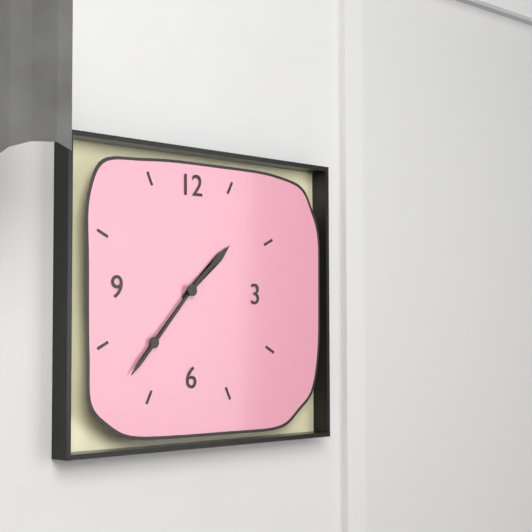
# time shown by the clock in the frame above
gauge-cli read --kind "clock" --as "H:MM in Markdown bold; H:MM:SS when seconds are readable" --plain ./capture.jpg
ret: **1:37**
